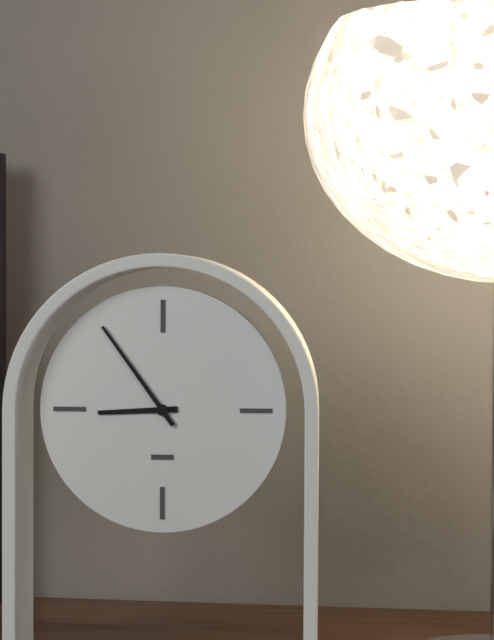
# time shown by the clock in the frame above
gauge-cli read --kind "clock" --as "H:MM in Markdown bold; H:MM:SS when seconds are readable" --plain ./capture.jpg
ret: **8:54**
